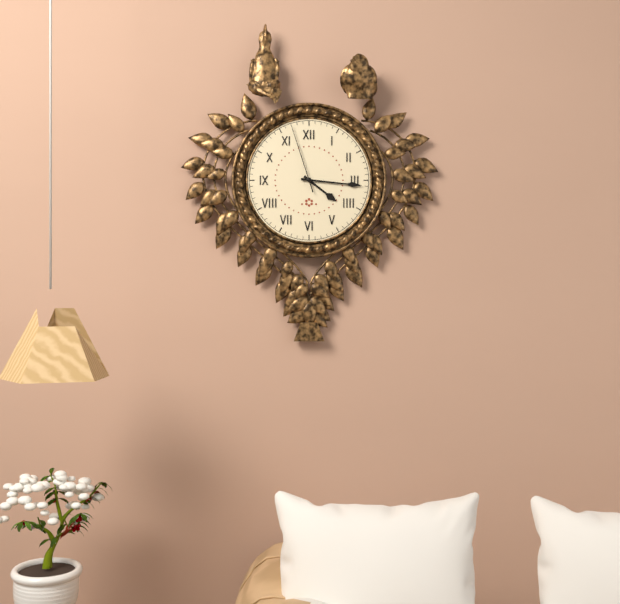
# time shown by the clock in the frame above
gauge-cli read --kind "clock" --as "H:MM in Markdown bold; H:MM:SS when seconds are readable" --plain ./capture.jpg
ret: **4:16:57**
